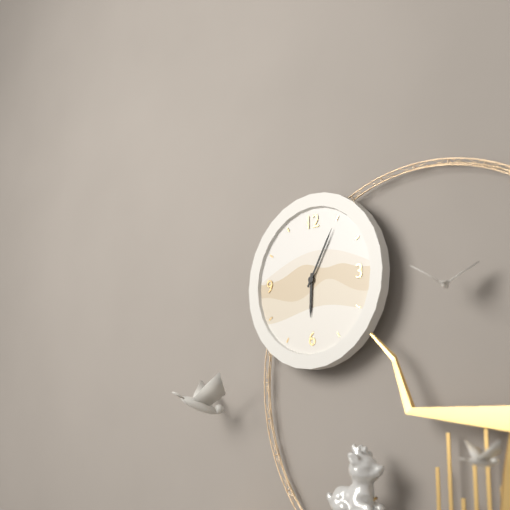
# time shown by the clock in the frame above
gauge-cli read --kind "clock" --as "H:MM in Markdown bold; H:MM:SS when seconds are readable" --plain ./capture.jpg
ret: **6:05**
